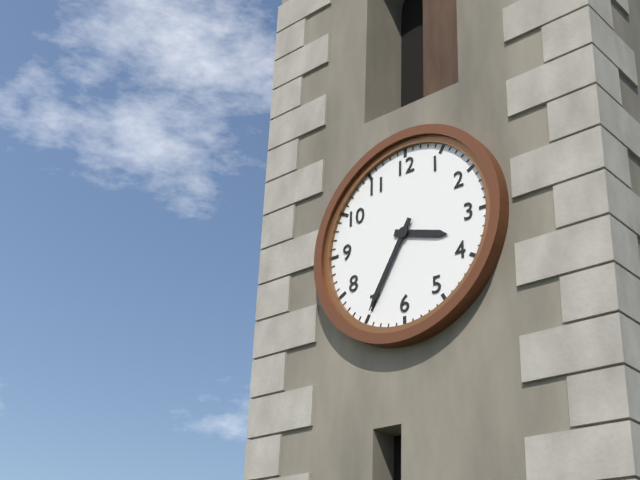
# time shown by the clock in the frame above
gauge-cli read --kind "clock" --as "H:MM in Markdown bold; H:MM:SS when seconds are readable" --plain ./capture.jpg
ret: **3:35**
